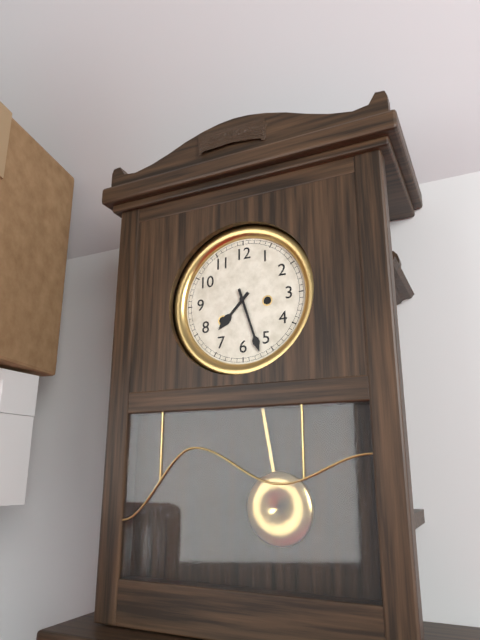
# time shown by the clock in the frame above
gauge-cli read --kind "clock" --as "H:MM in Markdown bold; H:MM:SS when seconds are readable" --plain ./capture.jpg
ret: **7:27**
